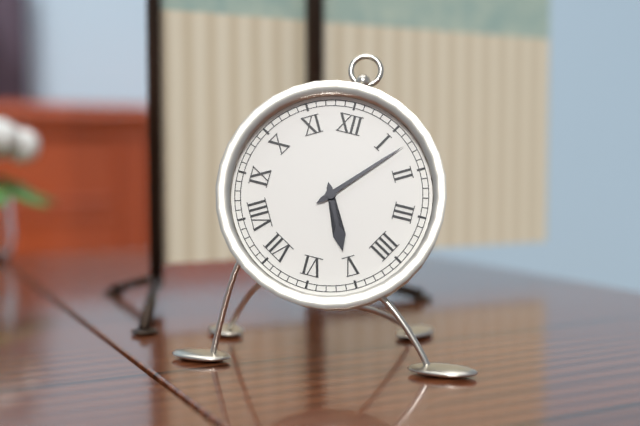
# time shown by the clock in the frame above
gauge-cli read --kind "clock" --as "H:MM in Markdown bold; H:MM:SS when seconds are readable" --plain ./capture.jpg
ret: **5:07**
